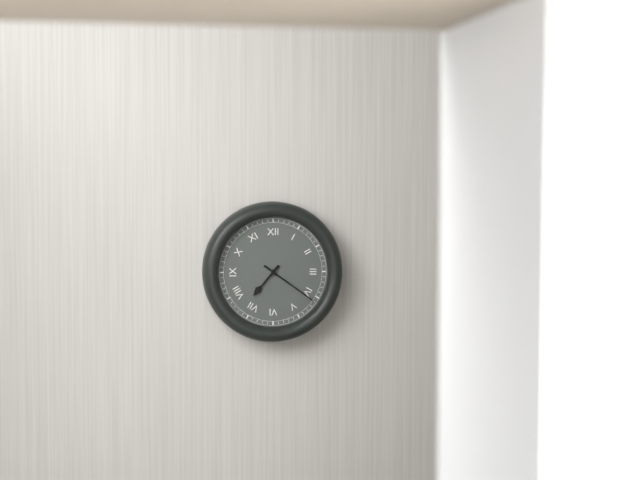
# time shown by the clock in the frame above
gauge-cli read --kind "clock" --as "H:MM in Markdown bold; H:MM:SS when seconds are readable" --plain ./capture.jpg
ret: **7:21**
